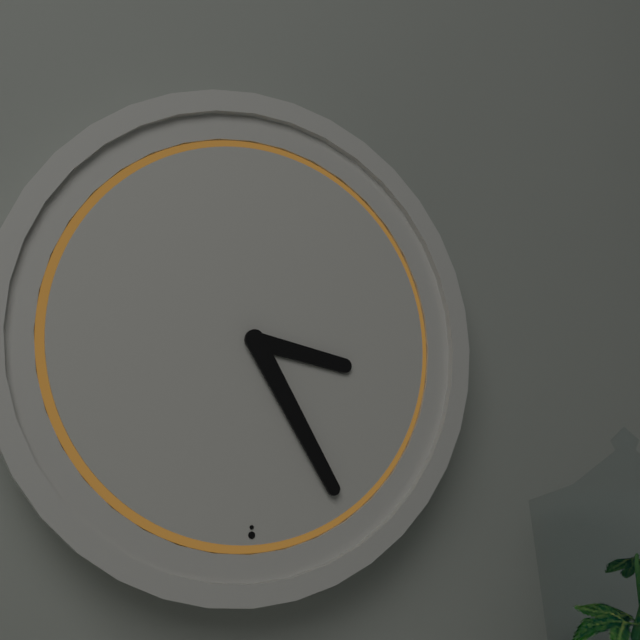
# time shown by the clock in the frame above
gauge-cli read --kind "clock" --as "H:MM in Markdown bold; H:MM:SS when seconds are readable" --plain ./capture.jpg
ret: **3:25**
